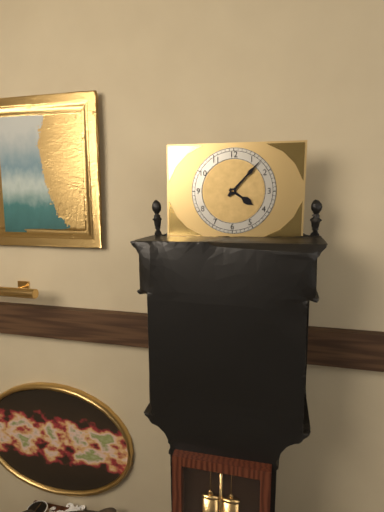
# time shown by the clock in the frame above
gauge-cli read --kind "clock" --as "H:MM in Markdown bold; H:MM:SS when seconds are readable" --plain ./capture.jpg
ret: **4:07**
